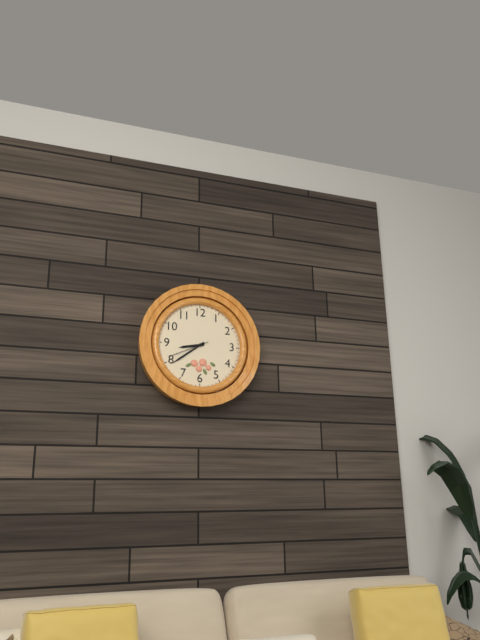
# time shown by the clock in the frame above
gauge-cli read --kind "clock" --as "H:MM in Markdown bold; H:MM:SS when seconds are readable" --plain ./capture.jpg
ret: **8:39**
